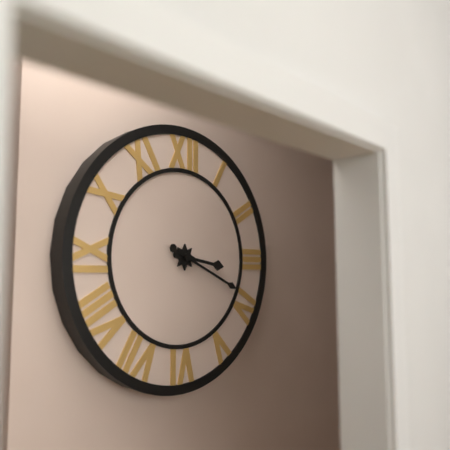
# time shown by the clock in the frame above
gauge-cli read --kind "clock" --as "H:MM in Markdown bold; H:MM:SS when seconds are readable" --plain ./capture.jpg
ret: **3:19**
